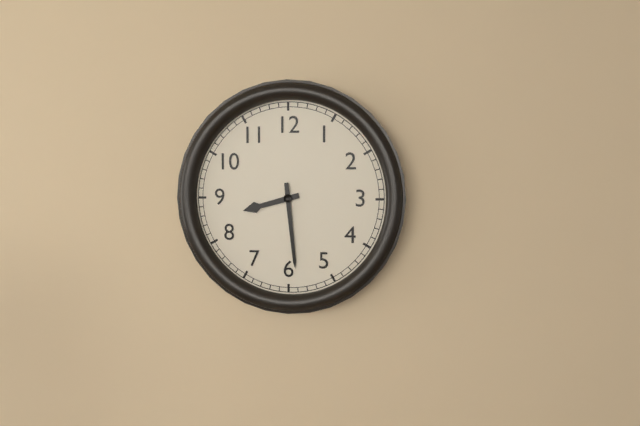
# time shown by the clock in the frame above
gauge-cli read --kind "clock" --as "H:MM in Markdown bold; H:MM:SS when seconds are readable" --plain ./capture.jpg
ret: **8:29**
